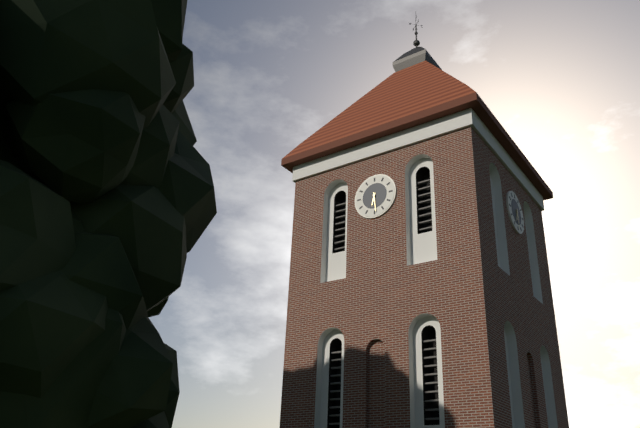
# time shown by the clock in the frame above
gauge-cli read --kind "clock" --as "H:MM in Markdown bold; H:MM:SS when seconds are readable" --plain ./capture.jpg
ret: **6:29**
